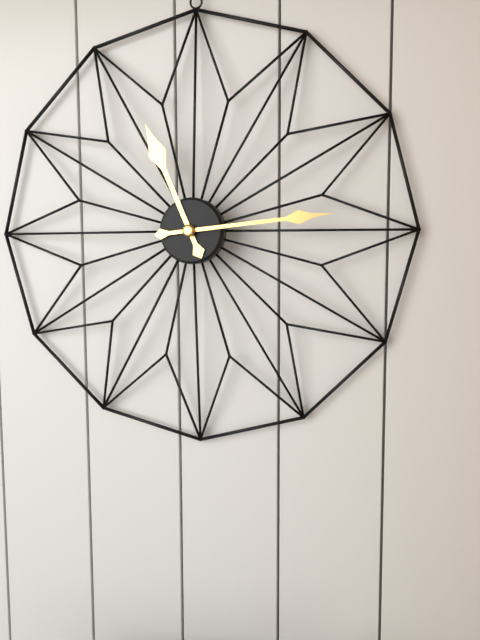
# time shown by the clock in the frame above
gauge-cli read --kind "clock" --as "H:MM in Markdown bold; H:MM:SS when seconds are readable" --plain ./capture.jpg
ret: **11:14**
